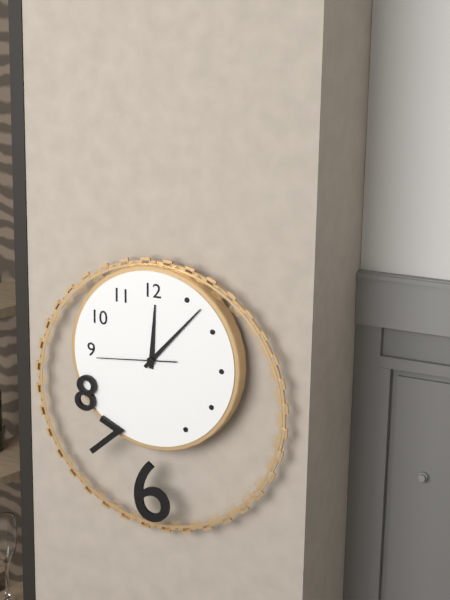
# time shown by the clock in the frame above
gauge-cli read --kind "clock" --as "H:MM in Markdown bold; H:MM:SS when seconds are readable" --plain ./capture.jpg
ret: **12:07:44**
